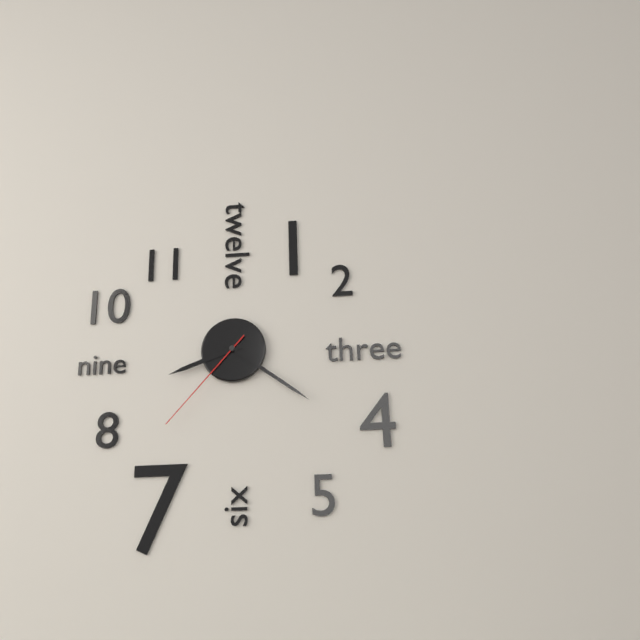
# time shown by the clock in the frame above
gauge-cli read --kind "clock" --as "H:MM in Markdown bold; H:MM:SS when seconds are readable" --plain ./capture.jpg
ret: **8:21:37**
